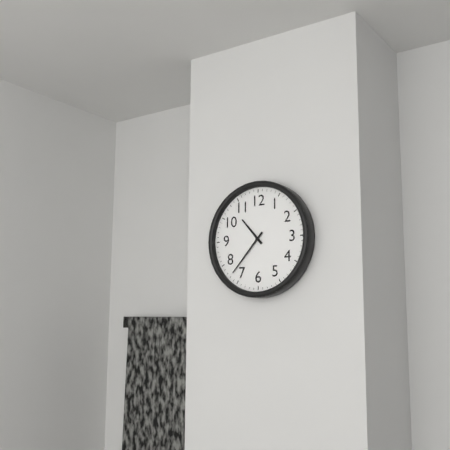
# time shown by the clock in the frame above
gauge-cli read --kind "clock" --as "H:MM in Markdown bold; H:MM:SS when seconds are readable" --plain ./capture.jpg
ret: **10:37**
